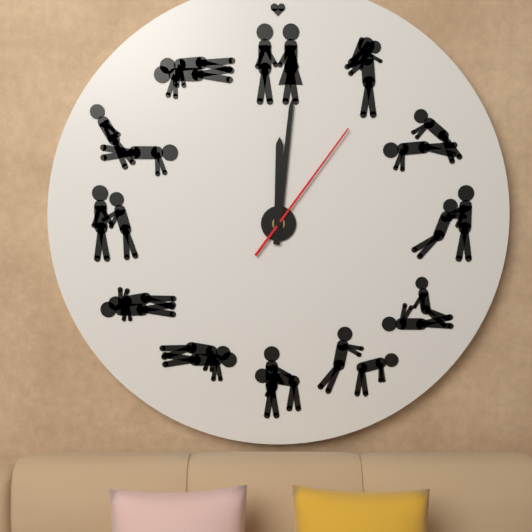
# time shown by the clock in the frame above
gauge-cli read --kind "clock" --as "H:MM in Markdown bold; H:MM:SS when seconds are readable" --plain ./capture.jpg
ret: **12:01:06**
